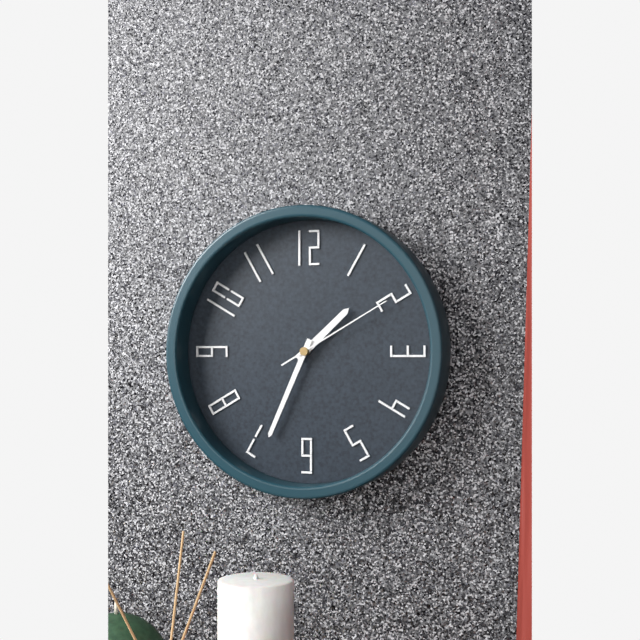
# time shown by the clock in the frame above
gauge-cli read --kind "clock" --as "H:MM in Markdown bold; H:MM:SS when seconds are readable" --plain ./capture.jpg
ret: **1:34:10**
